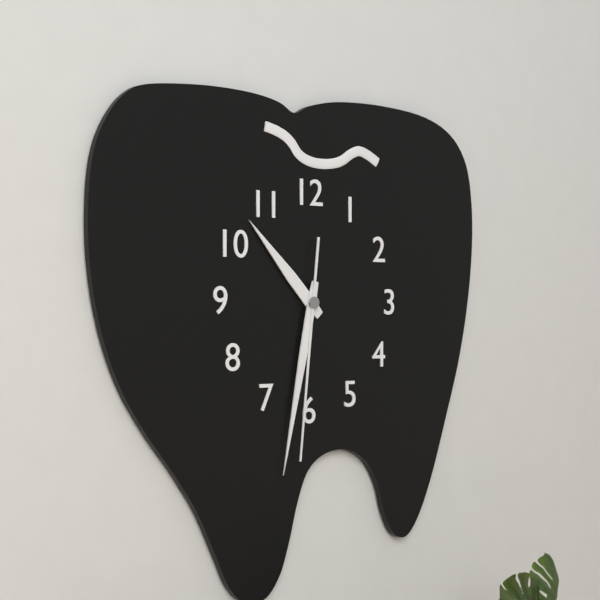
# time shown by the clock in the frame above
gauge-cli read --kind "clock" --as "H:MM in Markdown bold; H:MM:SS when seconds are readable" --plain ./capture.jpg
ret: **10:32:31**
